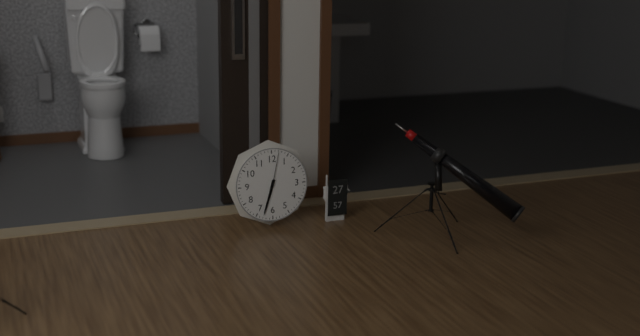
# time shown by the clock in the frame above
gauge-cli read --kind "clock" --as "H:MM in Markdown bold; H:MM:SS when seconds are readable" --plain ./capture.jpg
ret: **6:33**
